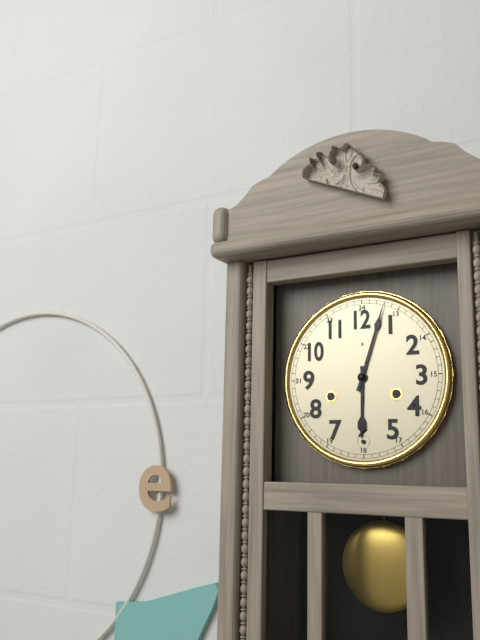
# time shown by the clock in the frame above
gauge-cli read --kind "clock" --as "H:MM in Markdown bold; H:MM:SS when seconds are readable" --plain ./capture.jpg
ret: **6:03**
